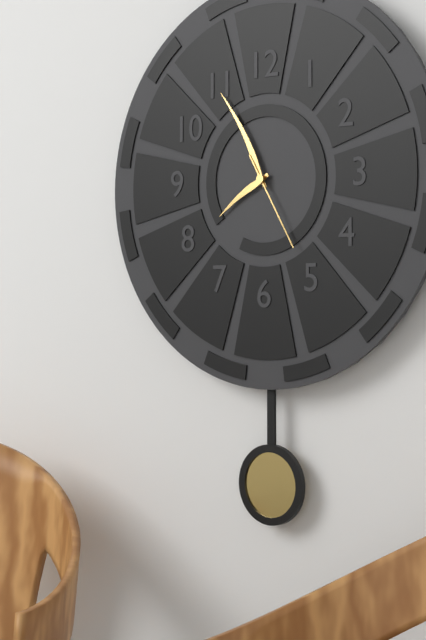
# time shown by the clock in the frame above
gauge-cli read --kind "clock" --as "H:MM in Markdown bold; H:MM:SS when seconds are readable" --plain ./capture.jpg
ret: **7:55:25**
